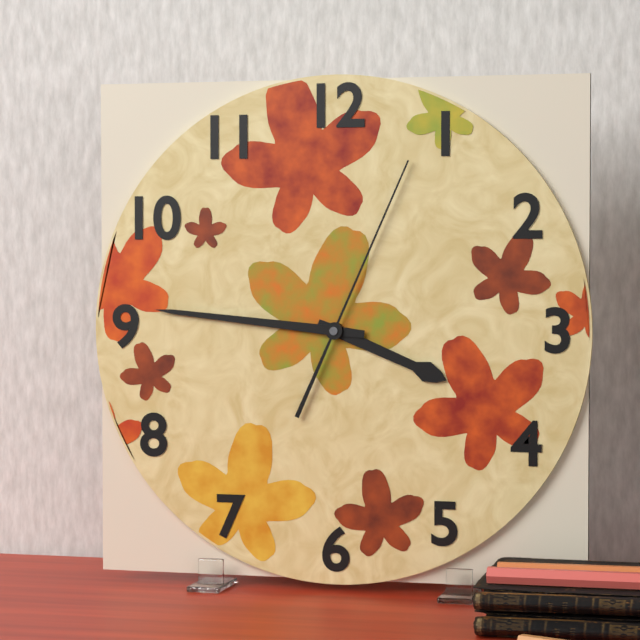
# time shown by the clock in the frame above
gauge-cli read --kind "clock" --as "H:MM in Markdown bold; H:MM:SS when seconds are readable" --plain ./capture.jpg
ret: **3:46:04**
